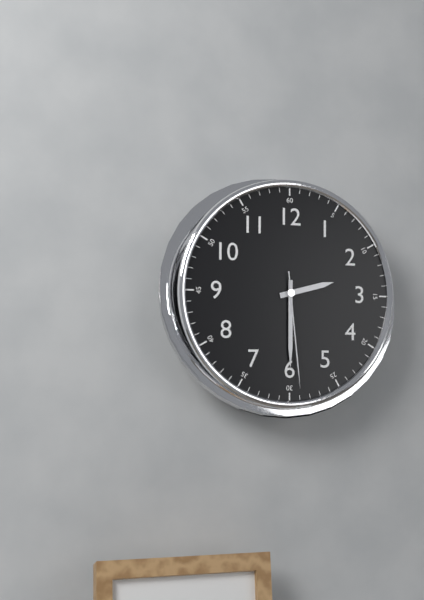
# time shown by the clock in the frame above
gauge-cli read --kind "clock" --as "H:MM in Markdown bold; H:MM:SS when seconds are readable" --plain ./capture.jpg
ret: **2:30:29**
